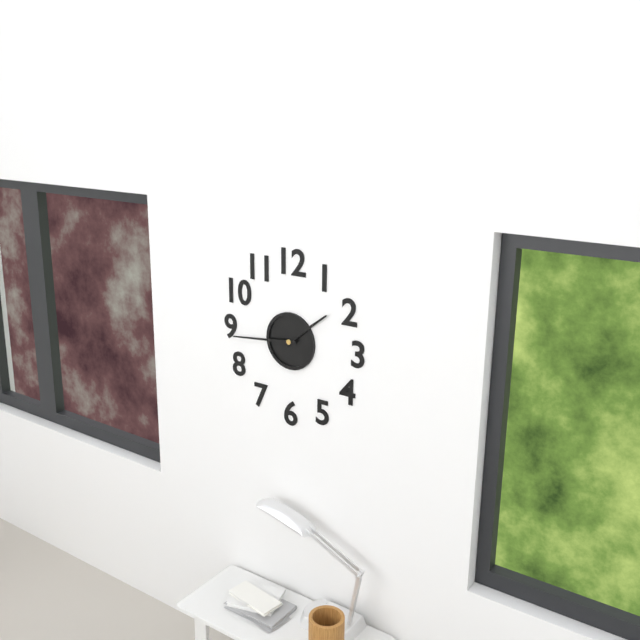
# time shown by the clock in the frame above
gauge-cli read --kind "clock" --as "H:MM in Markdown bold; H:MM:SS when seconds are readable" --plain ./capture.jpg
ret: **1:44**
